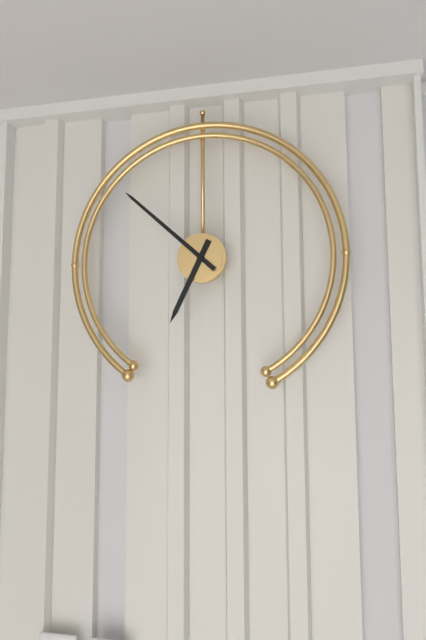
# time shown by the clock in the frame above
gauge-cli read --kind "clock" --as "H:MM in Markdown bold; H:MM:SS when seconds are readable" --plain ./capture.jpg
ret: **6:52**
